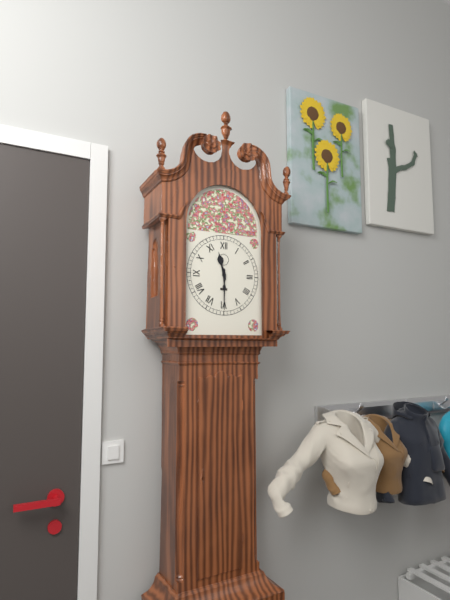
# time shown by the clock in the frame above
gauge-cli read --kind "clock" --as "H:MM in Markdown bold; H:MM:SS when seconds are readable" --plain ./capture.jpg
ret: **11:30**
